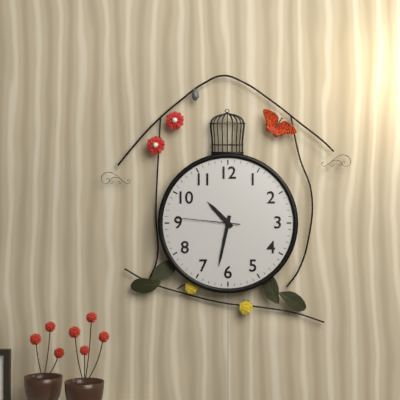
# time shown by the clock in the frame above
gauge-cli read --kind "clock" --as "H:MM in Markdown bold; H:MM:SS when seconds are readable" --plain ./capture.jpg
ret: **10:32:46**
